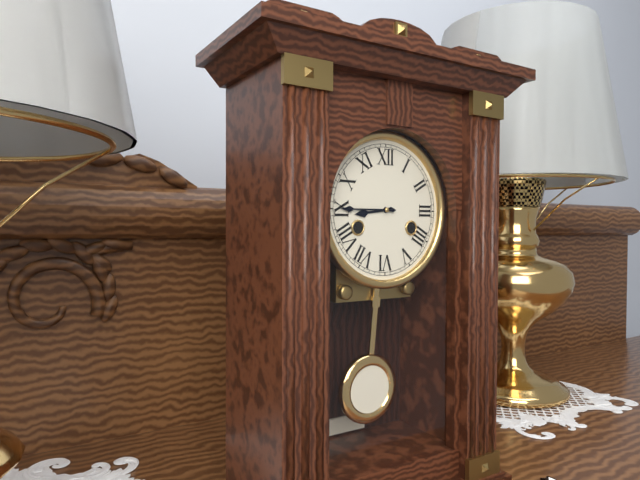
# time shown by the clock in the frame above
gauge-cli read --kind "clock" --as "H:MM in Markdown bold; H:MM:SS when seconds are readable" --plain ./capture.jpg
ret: **8:45**
